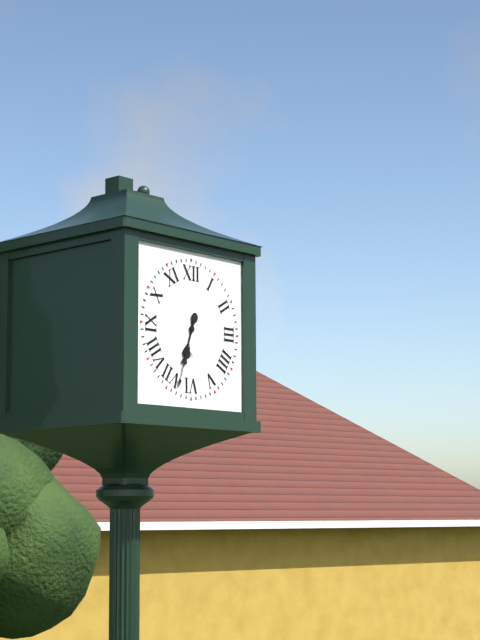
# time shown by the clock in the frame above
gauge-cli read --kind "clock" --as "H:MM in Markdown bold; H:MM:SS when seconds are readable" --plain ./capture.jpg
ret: **6:33**
